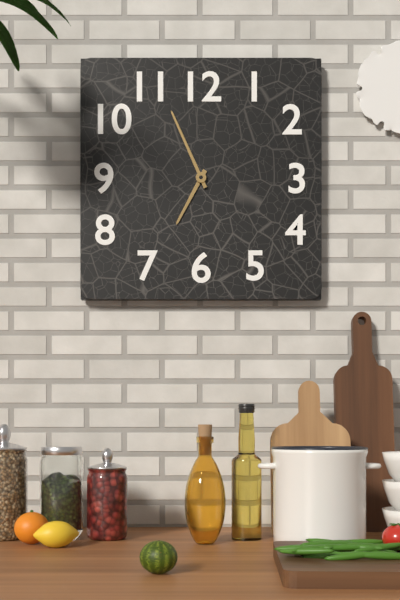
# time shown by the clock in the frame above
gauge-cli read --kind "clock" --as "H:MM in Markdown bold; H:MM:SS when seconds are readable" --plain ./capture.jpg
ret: **6:56**
